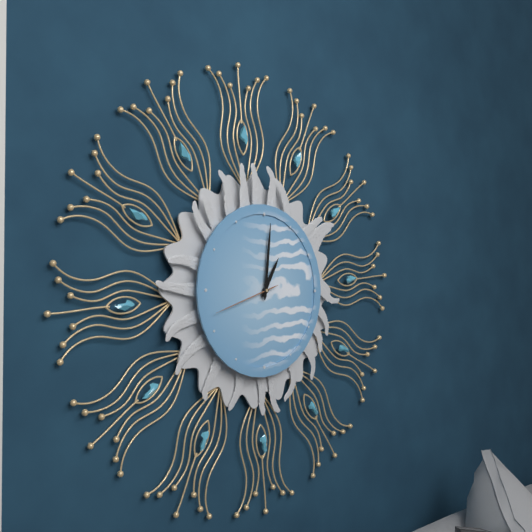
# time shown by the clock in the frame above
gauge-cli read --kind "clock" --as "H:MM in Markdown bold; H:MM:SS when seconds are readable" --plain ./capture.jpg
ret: **1:01:42**
